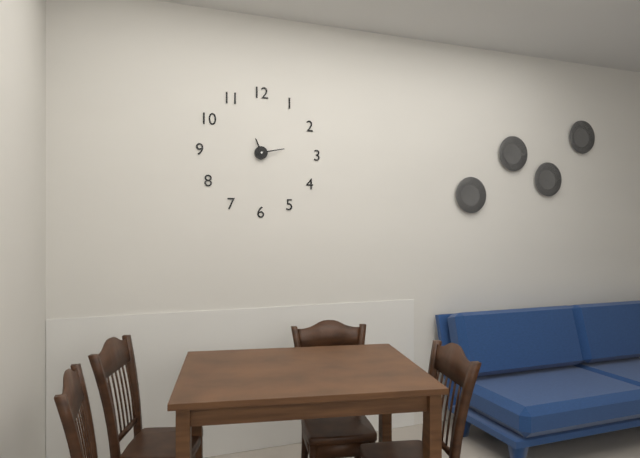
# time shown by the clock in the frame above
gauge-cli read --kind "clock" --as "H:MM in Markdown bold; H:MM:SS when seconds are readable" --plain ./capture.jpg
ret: **11:13**
